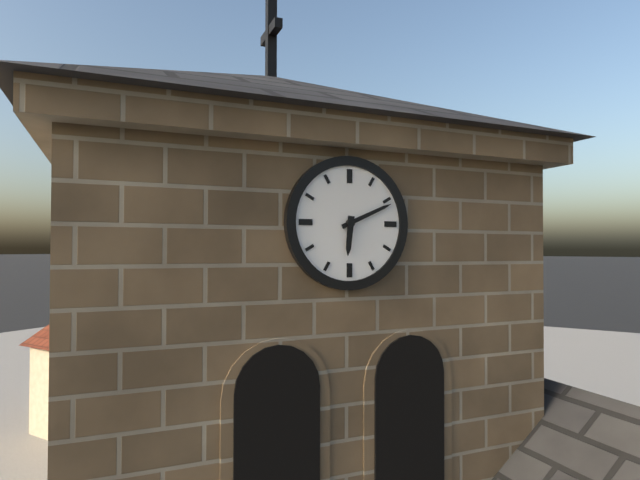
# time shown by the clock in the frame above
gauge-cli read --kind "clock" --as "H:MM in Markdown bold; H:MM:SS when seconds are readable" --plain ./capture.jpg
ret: **6:11**
